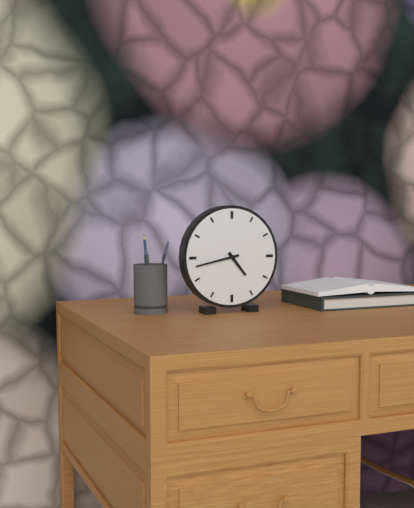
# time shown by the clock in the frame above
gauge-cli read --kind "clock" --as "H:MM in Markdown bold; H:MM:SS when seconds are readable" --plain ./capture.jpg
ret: **4:43**
